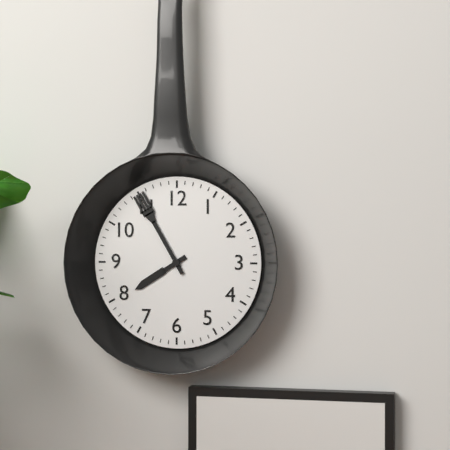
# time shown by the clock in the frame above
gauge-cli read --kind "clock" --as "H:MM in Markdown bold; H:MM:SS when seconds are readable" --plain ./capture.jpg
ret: **7:55**
